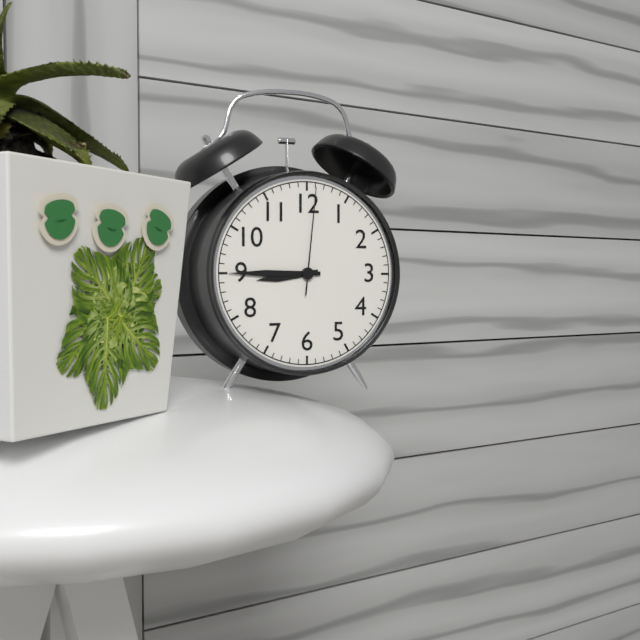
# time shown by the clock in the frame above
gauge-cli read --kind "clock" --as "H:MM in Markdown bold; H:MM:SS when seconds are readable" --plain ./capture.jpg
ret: **8:45:01**
